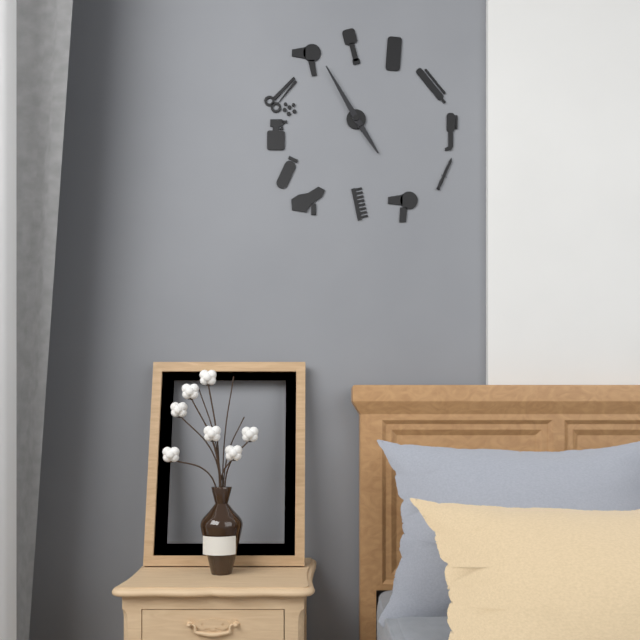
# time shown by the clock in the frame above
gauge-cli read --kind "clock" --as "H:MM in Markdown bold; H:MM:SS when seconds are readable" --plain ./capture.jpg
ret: **4:55**
